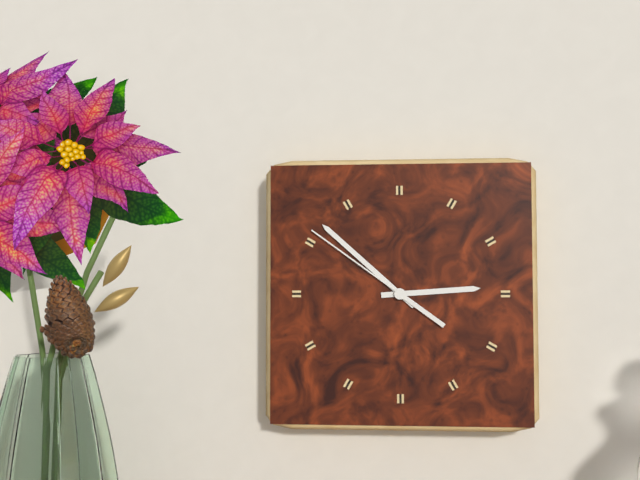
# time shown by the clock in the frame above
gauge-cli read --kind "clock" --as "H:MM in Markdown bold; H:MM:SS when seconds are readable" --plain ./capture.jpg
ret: **2:52:51**
